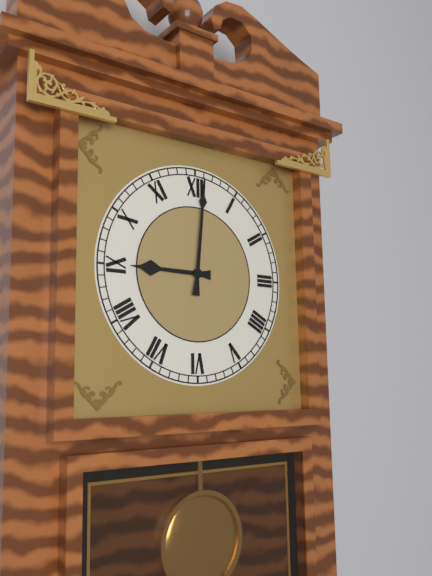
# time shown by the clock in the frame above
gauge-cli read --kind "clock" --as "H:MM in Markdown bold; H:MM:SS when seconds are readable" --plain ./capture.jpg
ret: **9:01**
